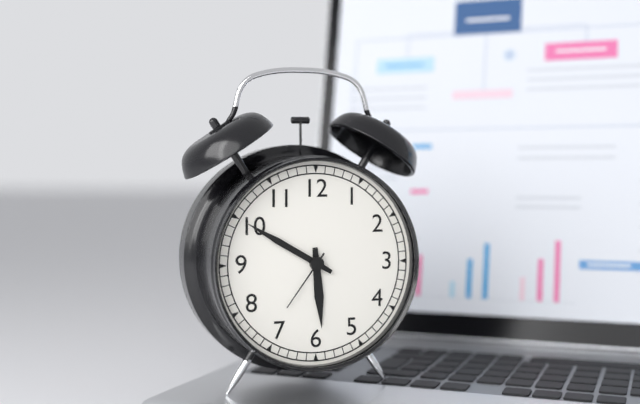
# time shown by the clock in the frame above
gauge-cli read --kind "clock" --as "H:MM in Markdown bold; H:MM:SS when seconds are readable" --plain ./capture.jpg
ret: **5:50:36**
